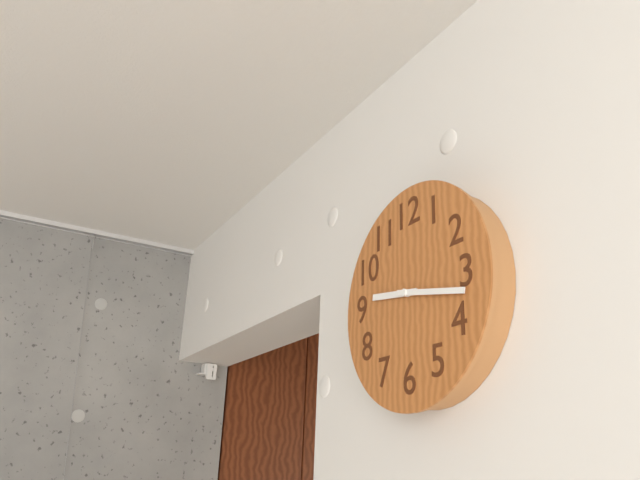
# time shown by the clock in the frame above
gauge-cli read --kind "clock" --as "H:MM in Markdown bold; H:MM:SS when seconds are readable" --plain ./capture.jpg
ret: **9:17**
